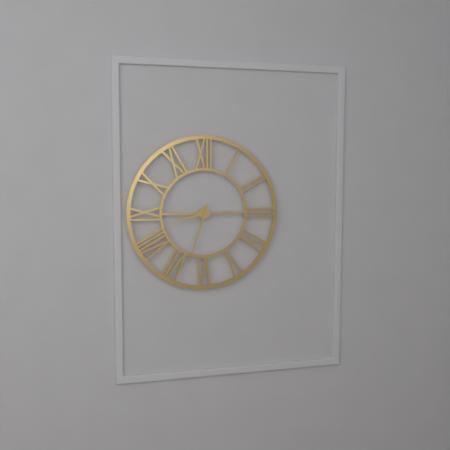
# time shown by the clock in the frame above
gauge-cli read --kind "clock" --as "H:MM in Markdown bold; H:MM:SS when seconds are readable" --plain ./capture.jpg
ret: **8:33**
